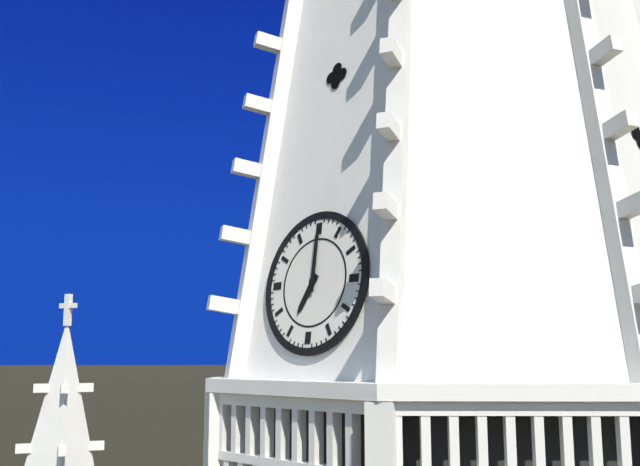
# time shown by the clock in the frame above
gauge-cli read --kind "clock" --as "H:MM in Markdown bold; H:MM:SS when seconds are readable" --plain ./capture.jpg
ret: **7:00**
